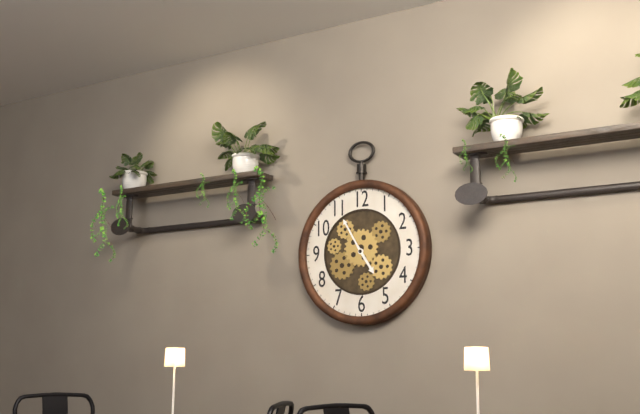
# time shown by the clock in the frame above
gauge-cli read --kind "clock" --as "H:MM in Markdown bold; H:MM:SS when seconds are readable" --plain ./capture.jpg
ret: **4:55**
